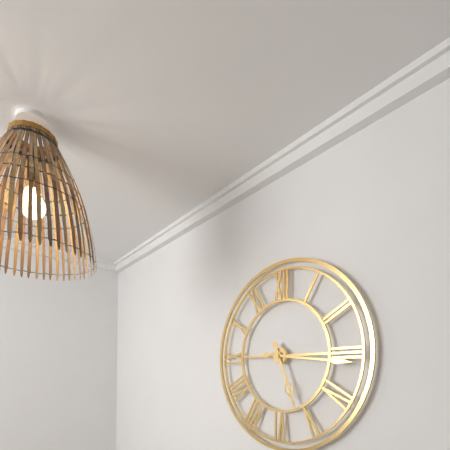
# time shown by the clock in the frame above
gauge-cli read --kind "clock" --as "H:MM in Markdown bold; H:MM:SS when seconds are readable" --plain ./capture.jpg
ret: **5:16**
